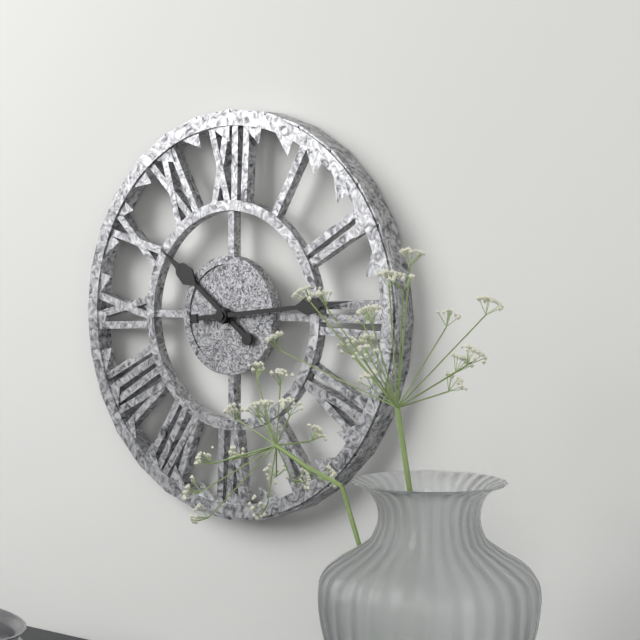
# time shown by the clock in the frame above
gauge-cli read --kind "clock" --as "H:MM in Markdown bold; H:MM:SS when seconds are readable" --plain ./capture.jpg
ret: **10:14**
